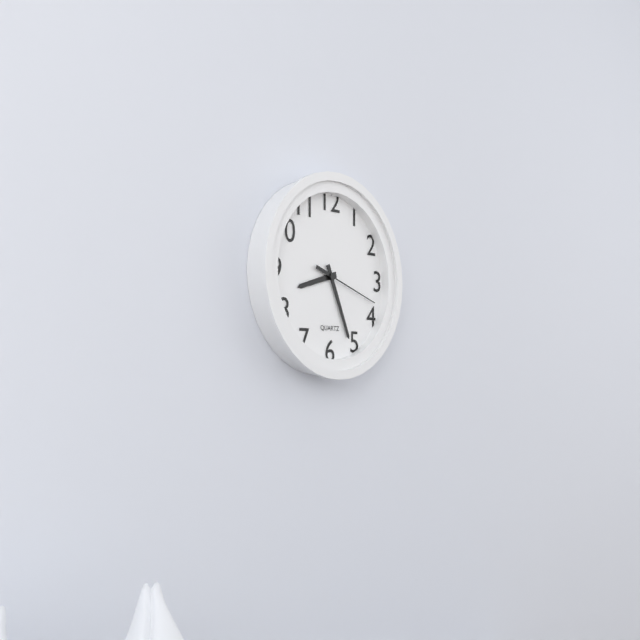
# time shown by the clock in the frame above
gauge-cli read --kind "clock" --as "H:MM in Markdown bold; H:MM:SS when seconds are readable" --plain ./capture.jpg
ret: **8:26:18**
